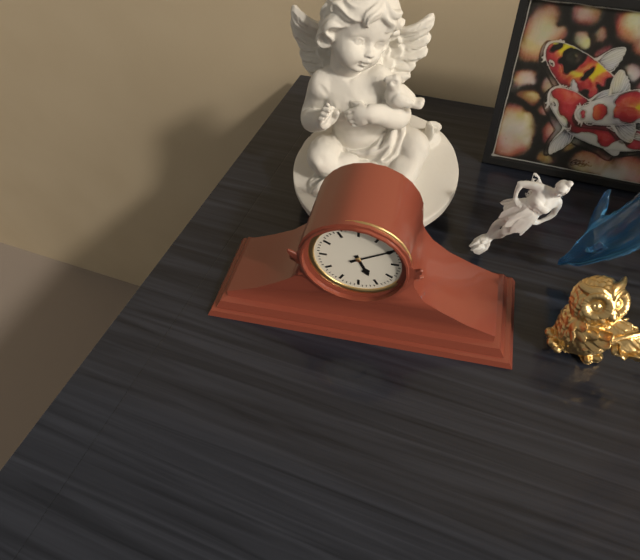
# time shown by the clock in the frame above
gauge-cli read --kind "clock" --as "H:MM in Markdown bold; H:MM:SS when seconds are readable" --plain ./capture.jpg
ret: **5:10**
